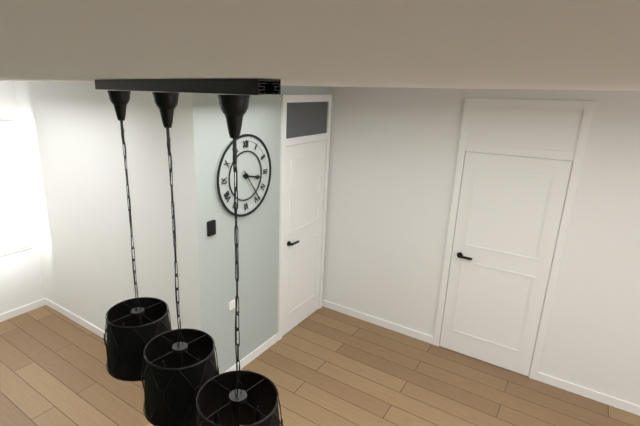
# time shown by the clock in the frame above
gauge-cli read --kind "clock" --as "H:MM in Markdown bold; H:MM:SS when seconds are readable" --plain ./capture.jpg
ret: **3:24**
